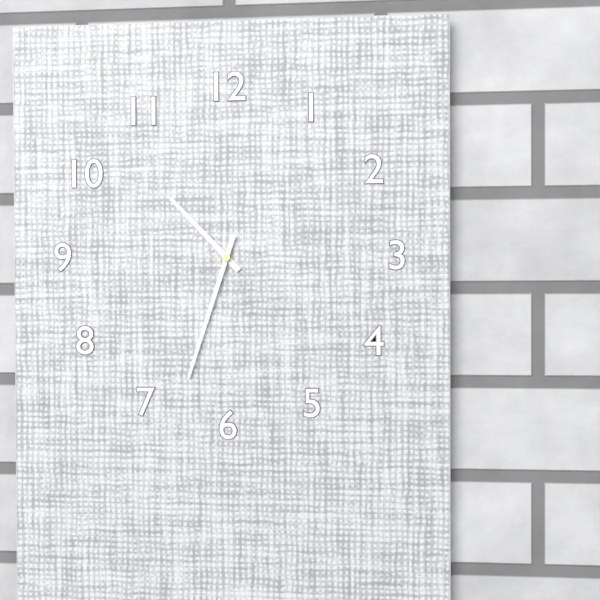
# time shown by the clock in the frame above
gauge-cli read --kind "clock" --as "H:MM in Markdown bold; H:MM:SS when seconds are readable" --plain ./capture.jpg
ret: **10:33**
